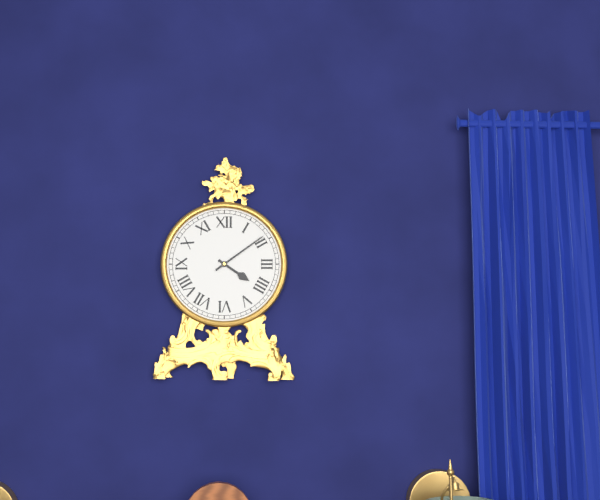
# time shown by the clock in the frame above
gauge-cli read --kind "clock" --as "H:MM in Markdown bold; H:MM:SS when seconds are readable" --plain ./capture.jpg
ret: **4:09**
